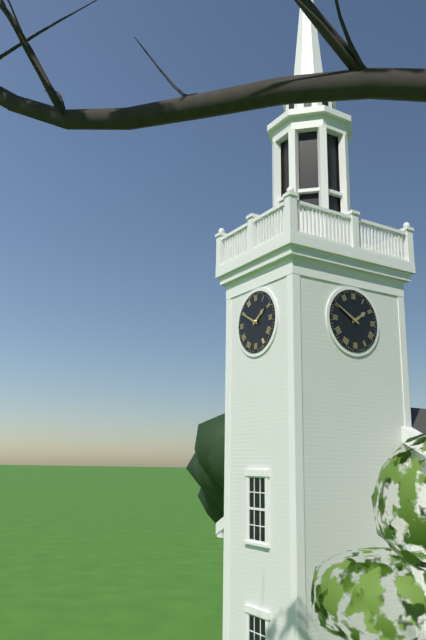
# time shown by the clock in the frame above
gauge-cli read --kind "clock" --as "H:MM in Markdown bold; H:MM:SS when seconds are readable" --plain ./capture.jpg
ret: **1:50**
